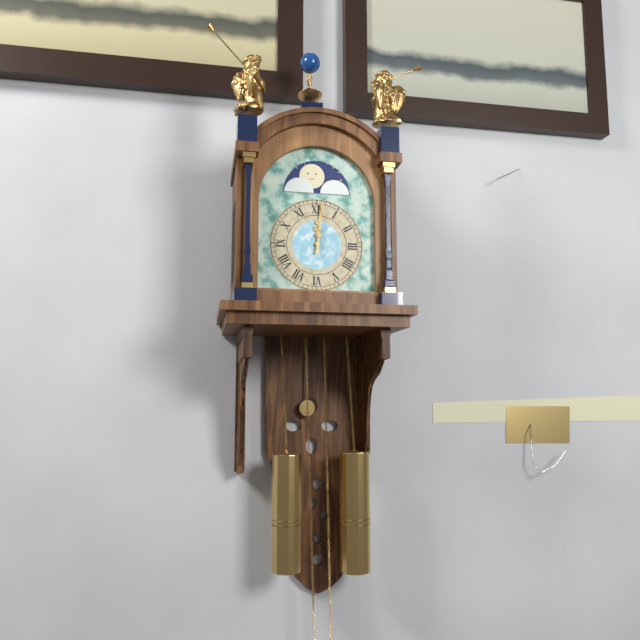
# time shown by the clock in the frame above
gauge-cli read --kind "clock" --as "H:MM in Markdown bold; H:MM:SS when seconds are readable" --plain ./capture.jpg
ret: **12:01**
